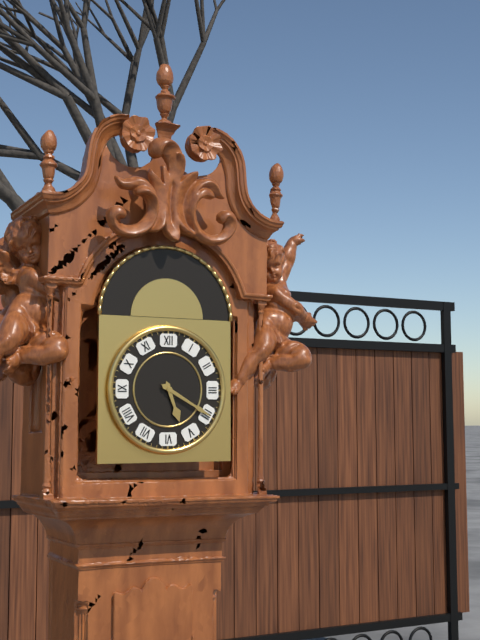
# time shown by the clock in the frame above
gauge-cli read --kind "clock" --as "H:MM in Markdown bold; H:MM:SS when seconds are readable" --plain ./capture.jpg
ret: **5:20**
